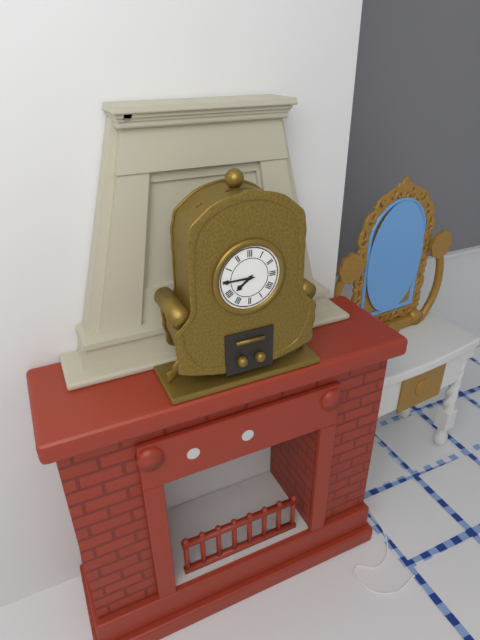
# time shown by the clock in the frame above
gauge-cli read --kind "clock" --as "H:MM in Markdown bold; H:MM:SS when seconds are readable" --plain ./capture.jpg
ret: **7:45**
